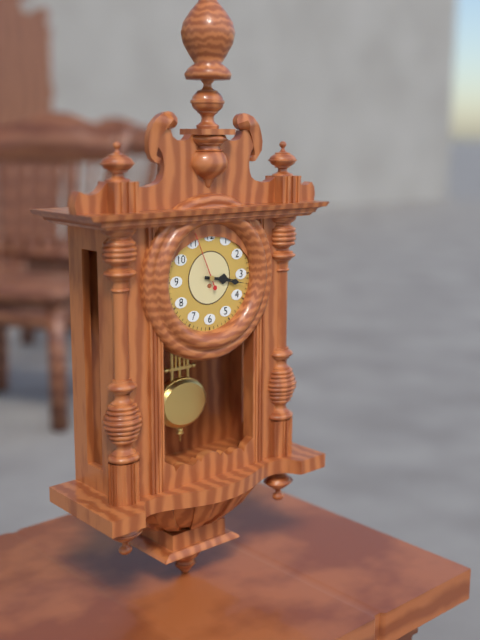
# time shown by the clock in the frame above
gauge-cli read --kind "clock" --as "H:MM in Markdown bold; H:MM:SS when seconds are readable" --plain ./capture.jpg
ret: **3:17:56**
